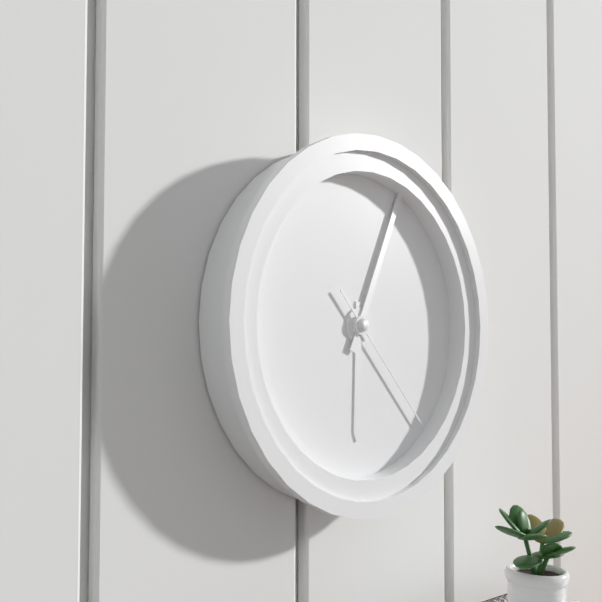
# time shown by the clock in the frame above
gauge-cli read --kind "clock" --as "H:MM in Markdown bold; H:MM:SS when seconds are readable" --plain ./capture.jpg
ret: **6:04:23**
